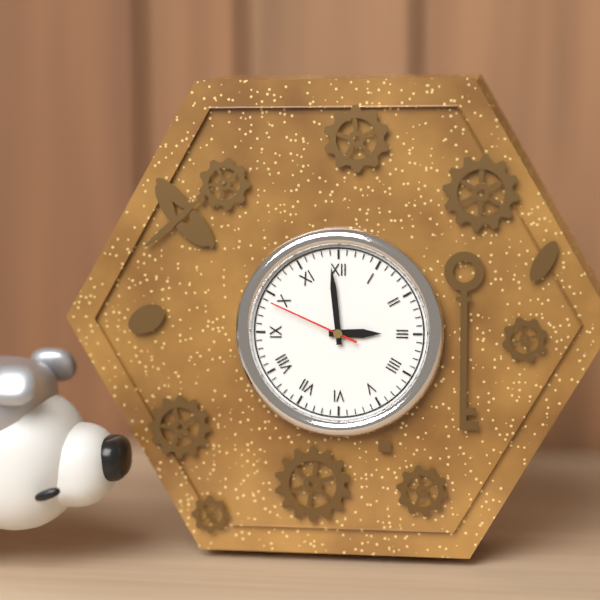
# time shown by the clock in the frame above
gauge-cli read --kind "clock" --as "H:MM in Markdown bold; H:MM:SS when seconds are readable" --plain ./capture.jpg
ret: **2:59:49**
